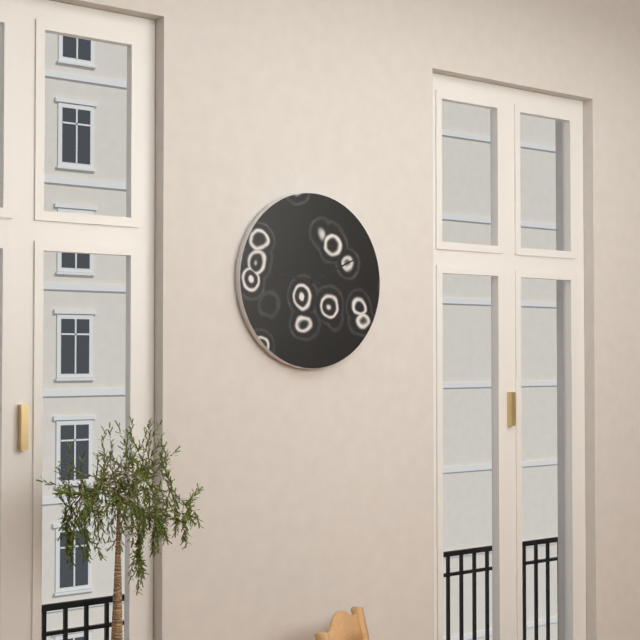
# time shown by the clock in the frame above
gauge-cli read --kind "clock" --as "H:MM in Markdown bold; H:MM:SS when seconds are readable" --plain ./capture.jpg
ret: **9:11**
